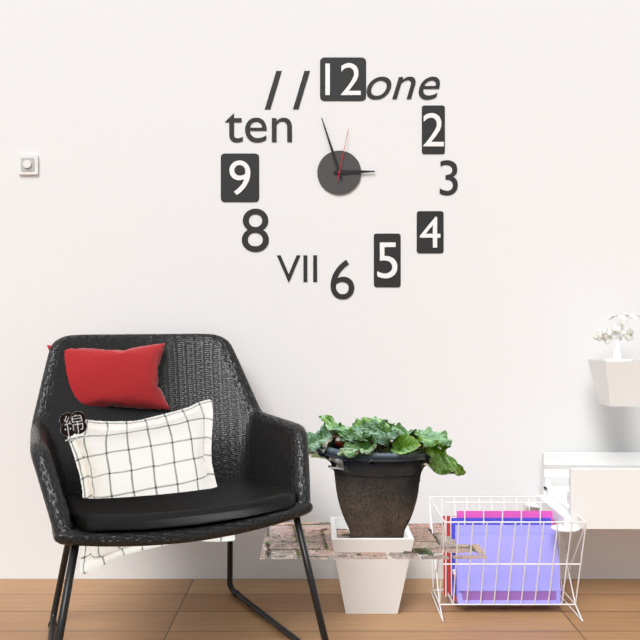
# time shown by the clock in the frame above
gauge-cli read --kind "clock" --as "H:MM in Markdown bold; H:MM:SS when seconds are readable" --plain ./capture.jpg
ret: **2:57:02**
